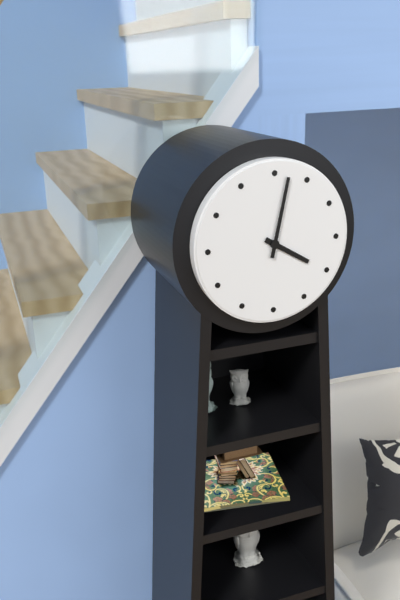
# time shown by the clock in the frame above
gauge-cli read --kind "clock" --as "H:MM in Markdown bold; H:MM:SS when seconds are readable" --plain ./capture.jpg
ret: **4:02**
